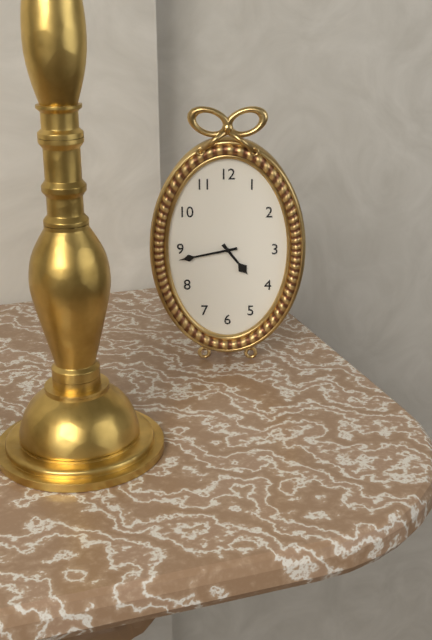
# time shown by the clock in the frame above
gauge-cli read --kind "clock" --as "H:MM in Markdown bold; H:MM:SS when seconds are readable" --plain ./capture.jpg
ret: **4:43**
